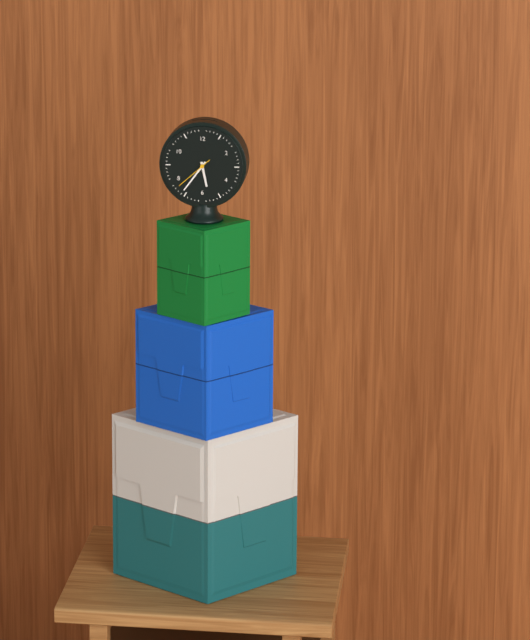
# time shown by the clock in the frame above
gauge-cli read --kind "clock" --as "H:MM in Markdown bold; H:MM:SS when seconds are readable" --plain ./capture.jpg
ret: **5:36**
